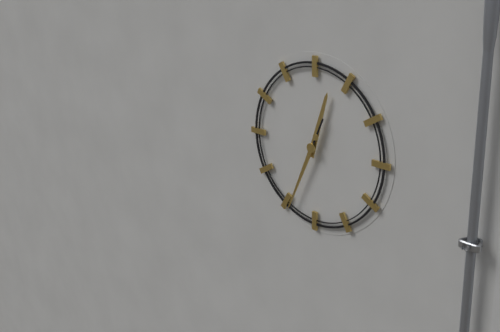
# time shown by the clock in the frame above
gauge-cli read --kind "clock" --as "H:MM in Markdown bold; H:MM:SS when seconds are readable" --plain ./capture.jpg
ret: **12:34**
